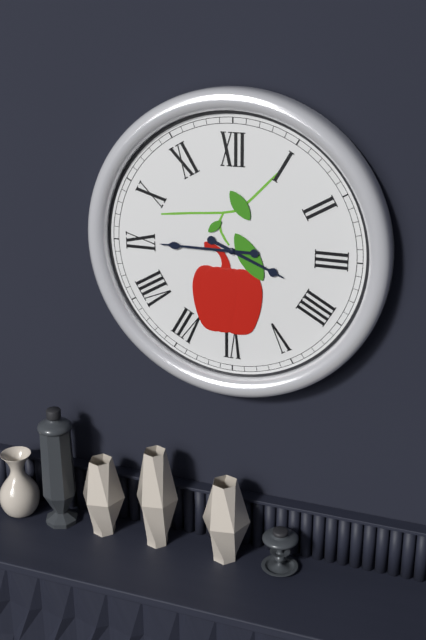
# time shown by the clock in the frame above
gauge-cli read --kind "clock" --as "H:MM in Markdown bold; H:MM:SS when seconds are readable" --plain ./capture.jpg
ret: **3:45**
